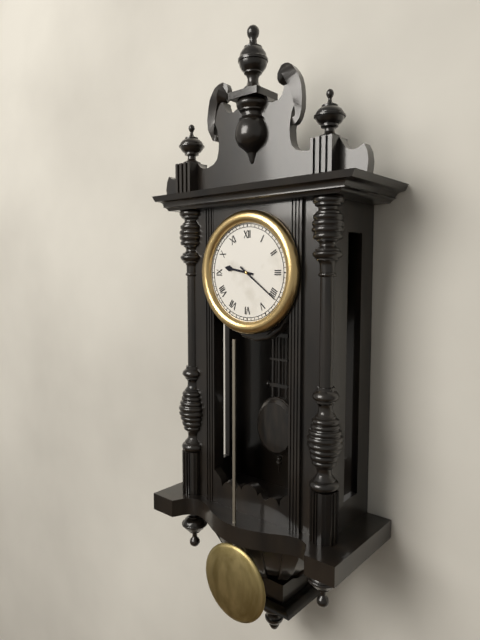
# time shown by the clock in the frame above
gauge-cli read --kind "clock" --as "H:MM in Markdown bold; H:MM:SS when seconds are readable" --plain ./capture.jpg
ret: **9:21**
